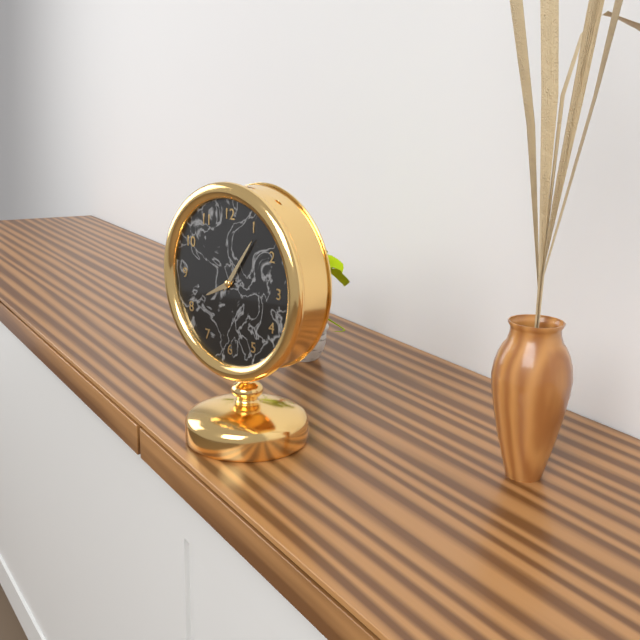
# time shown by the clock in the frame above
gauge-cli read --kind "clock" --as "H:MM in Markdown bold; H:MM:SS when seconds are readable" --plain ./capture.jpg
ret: **8:06**
